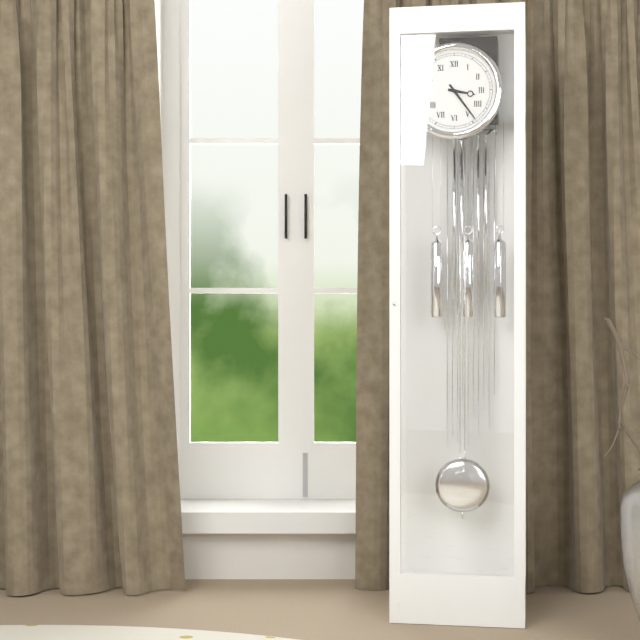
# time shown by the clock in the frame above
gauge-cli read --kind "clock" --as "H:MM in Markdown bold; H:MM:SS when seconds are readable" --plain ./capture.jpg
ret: **3:24**
